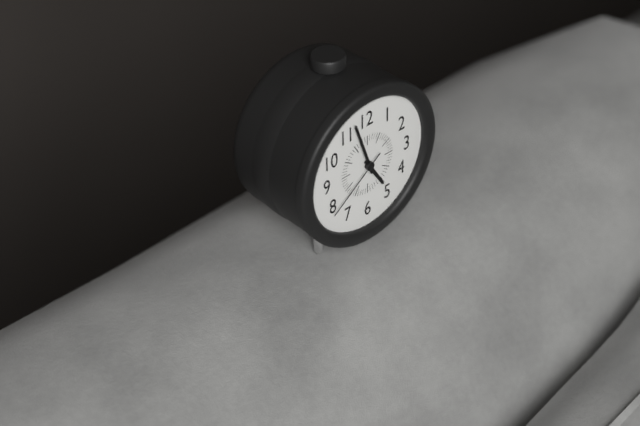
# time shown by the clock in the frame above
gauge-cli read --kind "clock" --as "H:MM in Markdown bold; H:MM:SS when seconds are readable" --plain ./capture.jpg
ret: **4:57:39**
